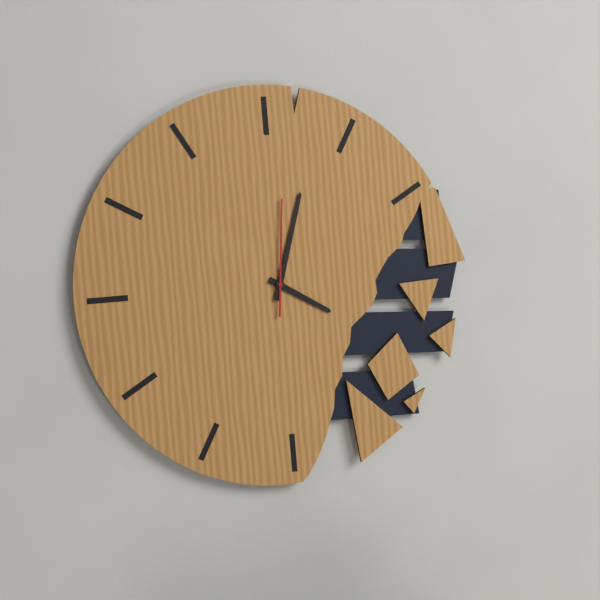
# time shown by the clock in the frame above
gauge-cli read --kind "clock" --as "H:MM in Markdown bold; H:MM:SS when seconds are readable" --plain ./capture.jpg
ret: **4:03:01**
